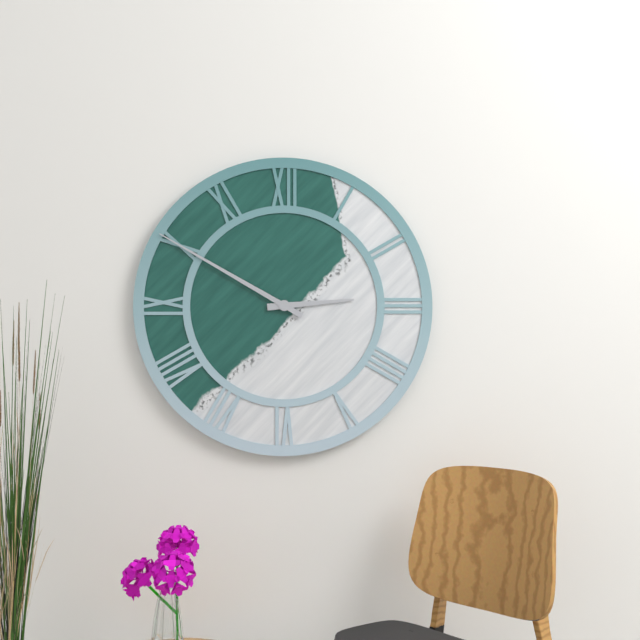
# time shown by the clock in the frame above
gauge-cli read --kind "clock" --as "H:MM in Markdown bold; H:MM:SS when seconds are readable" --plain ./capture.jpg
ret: **2:50**
